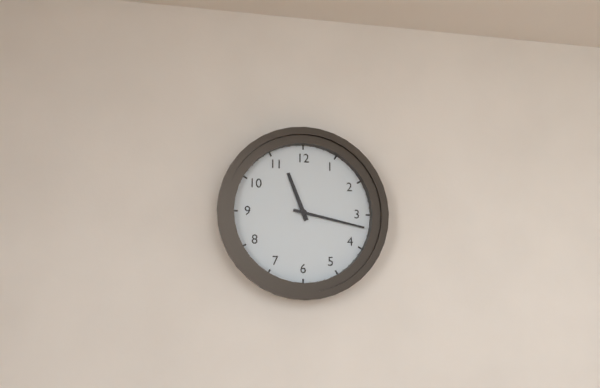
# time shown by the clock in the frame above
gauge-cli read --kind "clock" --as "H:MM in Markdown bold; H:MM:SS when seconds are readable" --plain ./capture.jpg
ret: **11:17**
